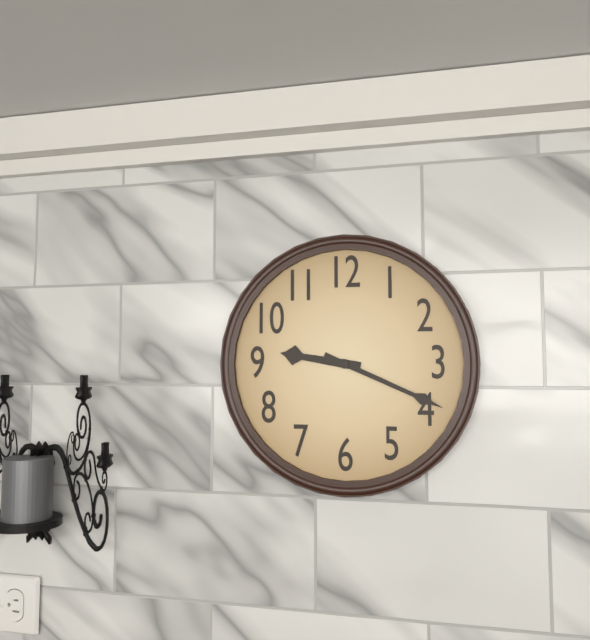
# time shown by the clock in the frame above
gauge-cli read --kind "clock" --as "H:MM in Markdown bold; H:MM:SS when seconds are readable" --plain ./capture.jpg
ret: **9:19**
